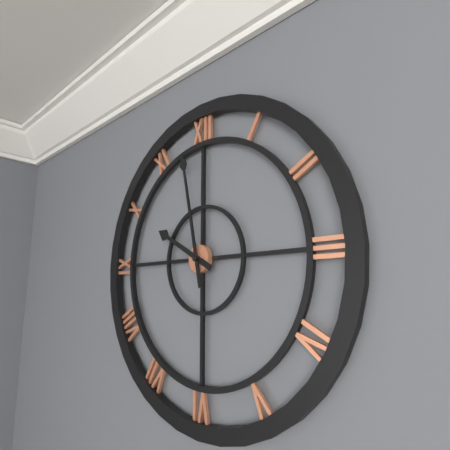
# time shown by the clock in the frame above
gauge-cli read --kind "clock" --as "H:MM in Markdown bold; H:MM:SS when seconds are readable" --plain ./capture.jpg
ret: **9:58**
